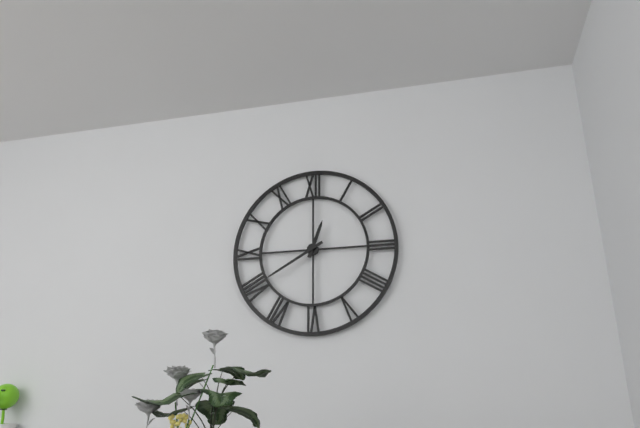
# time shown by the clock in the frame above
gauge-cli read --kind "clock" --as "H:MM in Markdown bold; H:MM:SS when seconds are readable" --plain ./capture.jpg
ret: **12:40**
